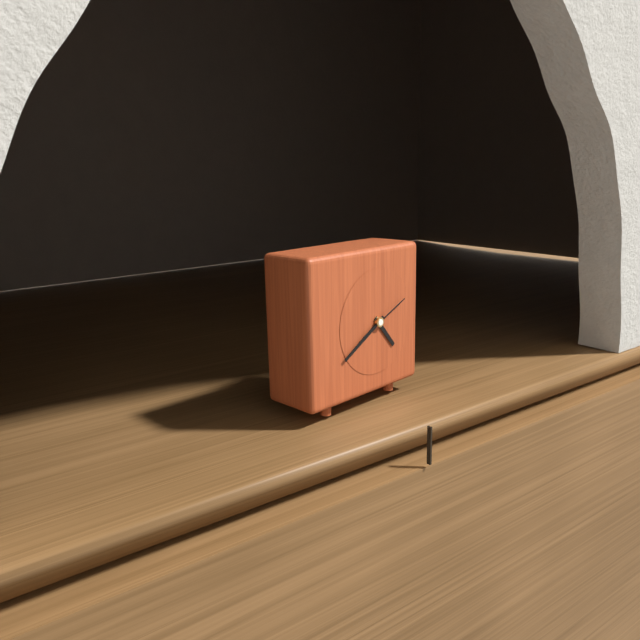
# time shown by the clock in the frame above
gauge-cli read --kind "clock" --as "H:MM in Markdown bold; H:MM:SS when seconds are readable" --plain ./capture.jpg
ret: **4:40**
